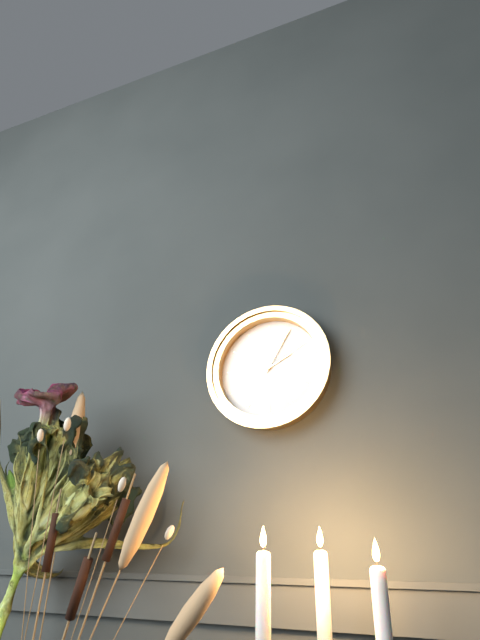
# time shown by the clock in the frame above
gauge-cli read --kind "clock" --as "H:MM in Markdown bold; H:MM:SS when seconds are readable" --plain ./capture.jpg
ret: **2:05**
